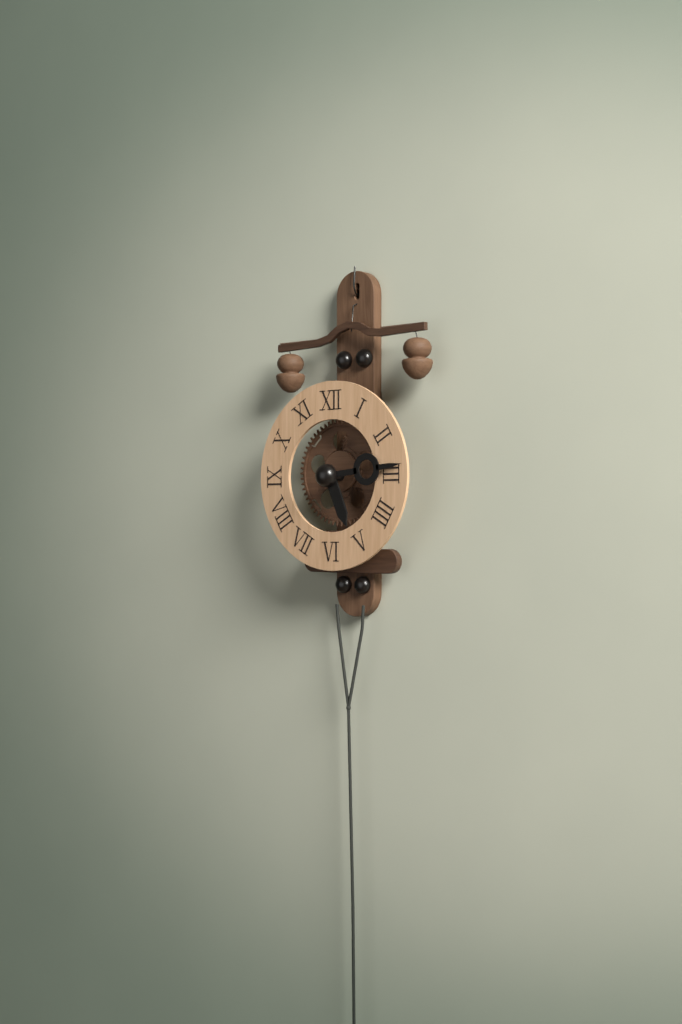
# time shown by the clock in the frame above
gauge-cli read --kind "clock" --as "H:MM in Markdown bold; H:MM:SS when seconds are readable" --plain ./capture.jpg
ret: **5:14**
